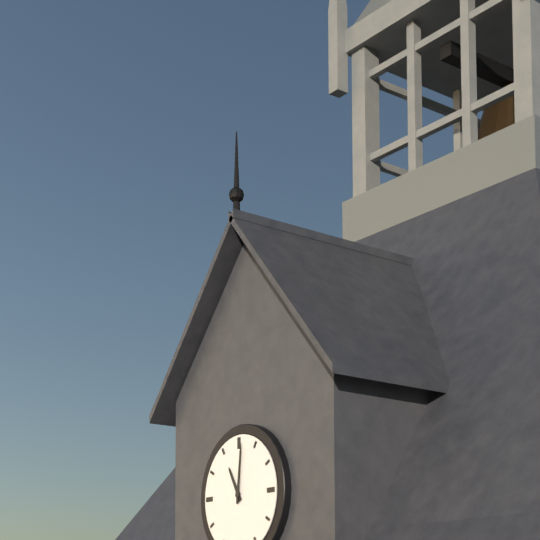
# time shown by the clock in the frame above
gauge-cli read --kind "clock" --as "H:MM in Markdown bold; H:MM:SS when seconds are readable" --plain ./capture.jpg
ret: **11:01**
